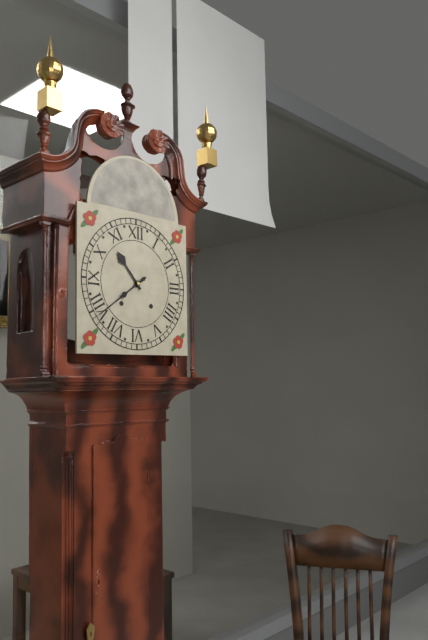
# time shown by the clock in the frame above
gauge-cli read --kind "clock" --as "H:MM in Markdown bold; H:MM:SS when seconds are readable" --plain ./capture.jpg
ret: **10:39**
